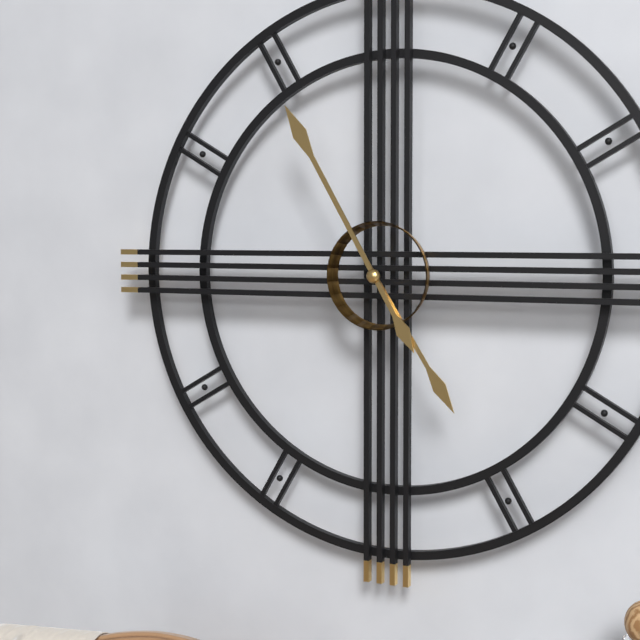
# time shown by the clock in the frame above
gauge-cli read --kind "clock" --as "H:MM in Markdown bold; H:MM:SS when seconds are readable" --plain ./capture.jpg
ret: **4:55**
